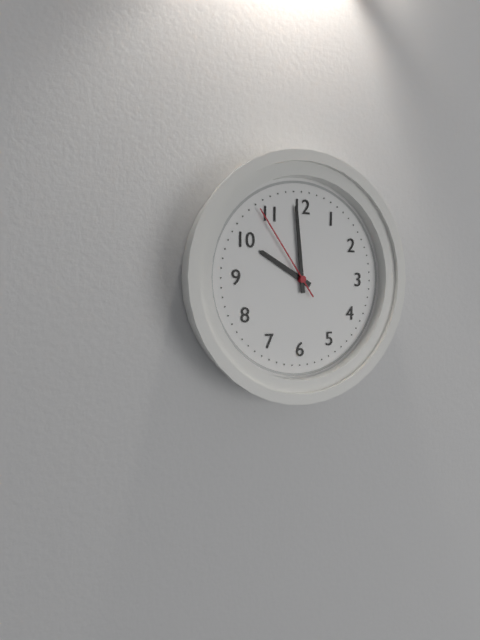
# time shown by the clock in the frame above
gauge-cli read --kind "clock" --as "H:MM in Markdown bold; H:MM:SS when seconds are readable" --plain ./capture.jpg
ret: **9:59:54**
